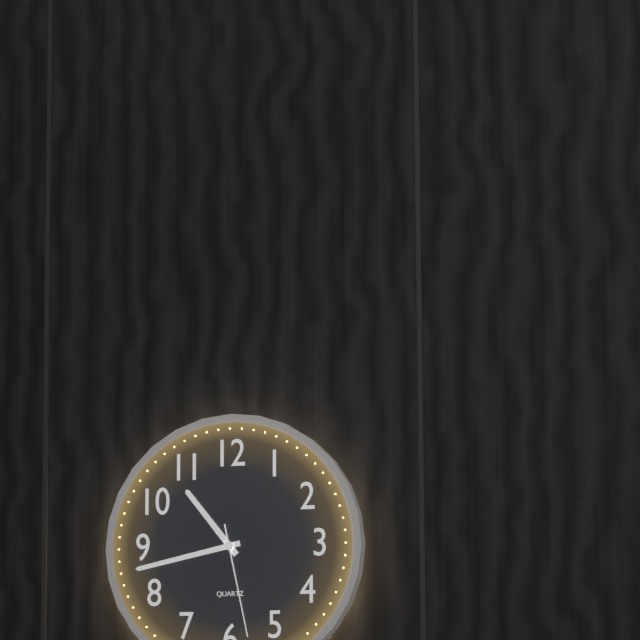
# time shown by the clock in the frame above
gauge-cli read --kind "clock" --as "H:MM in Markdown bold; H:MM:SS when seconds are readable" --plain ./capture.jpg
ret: **10:43:28**
